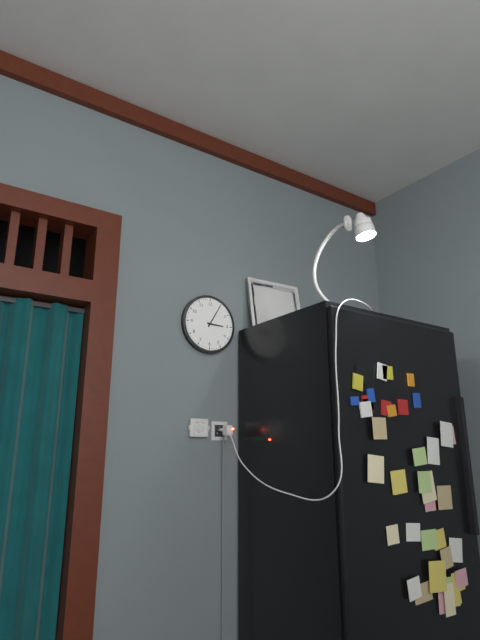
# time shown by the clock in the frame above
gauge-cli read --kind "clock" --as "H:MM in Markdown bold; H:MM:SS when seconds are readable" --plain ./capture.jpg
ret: **3:05**
